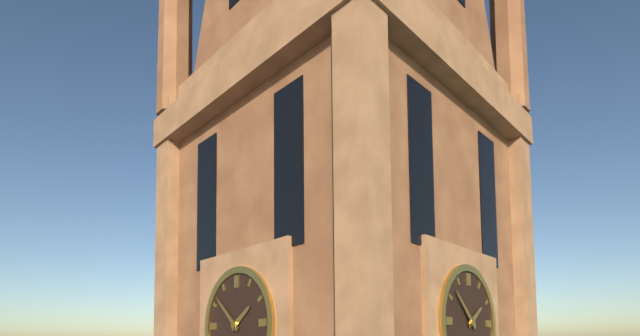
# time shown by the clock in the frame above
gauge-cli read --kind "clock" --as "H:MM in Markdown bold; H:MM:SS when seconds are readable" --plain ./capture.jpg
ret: **1:52**
